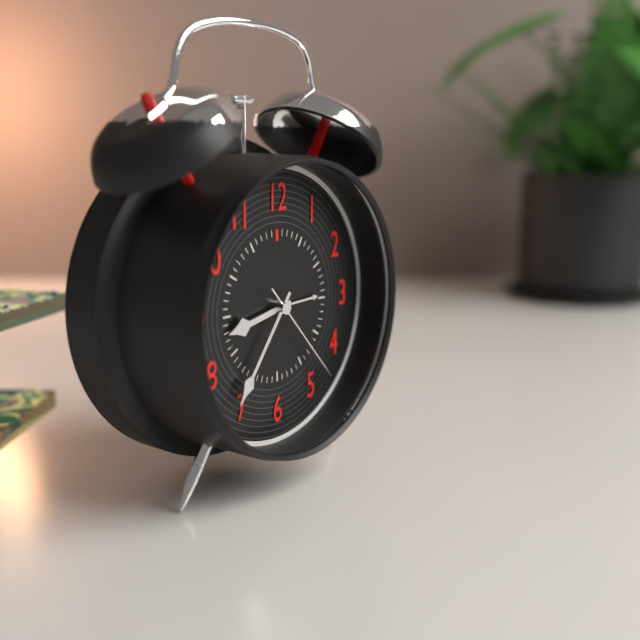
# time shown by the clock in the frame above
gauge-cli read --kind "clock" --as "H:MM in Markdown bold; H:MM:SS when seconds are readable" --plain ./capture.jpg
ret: **8:36:23**
